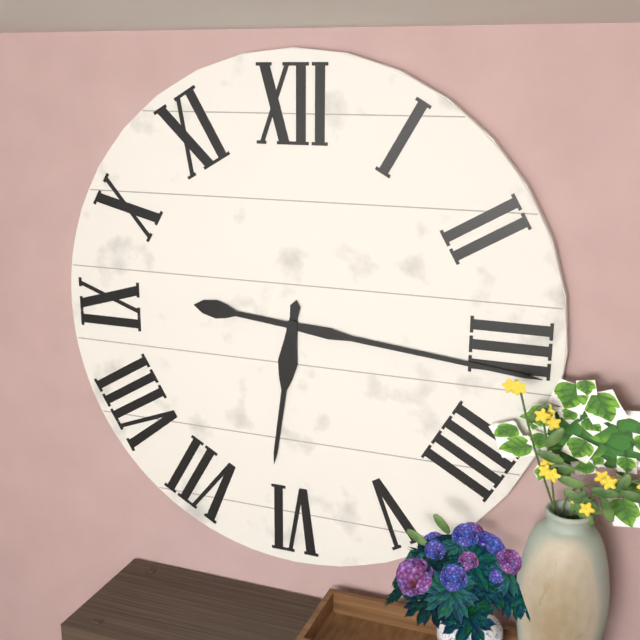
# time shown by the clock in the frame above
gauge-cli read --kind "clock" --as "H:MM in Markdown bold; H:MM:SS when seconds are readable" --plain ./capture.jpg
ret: **6:16**
